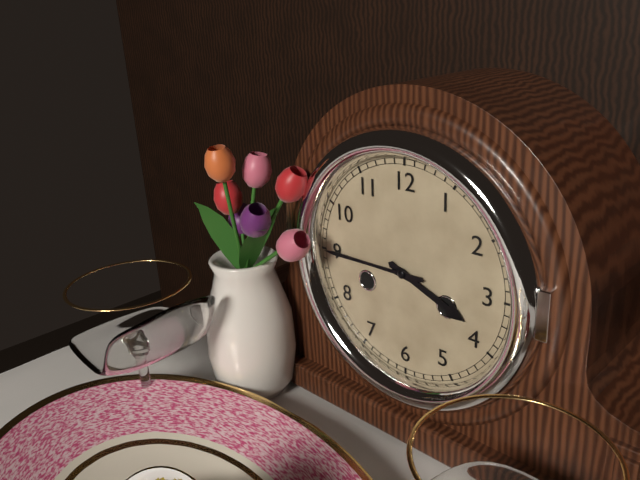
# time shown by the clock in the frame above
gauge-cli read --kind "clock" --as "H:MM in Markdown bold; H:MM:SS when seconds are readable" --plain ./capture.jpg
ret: **3:45**
